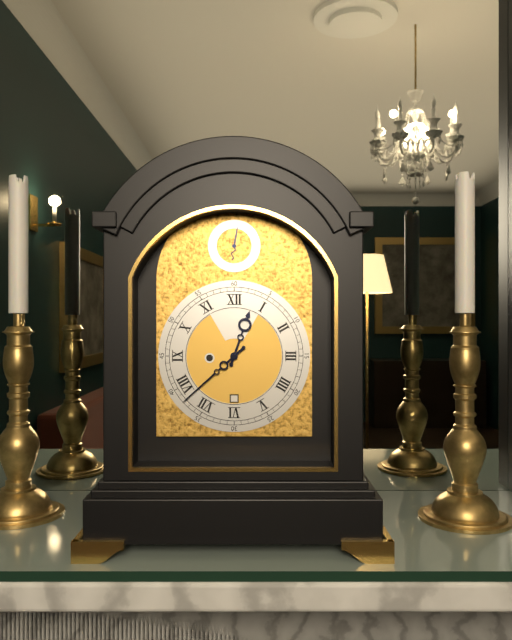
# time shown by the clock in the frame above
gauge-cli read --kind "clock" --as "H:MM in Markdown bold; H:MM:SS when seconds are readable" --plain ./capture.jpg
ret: **12:38**
